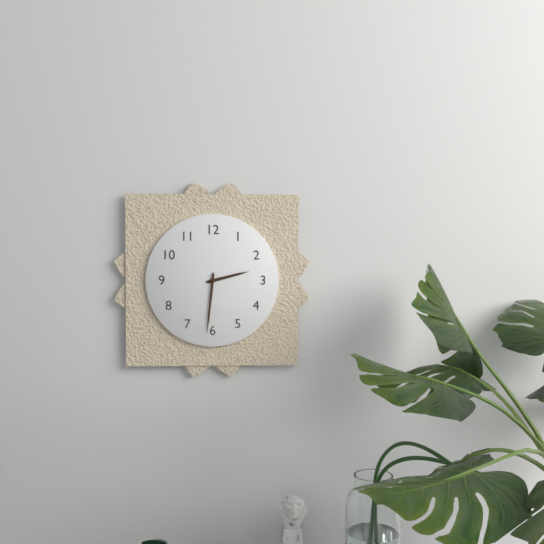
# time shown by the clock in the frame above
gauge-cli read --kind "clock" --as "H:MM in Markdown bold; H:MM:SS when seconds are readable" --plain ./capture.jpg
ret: **2:31**
